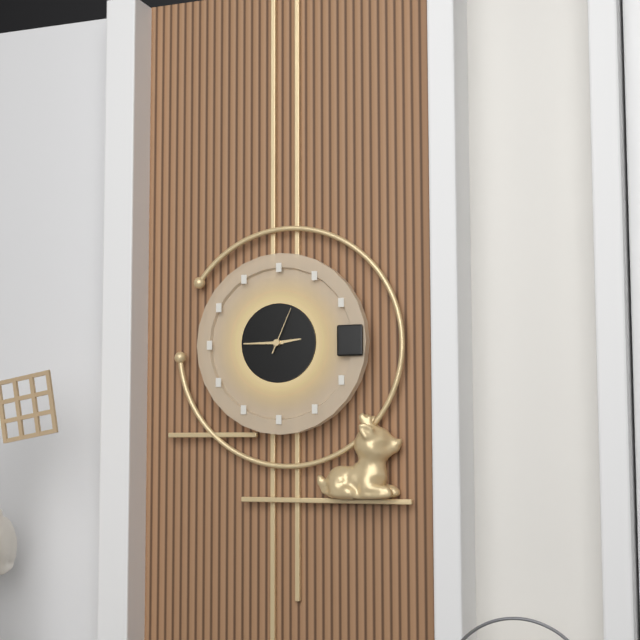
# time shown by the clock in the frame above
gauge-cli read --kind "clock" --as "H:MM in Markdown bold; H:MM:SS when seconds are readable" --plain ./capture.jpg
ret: **2:45**
